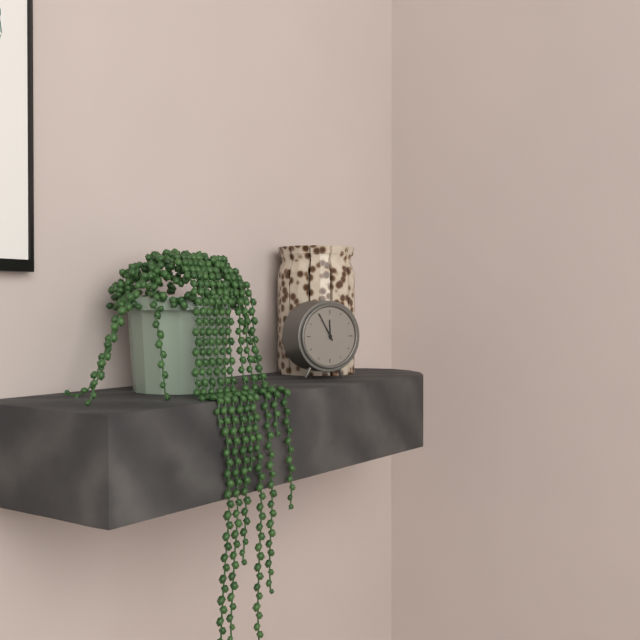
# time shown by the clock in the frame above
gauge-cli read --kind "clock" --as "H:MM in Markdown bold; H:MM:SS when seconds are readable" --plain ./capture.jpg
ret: **11:55**
